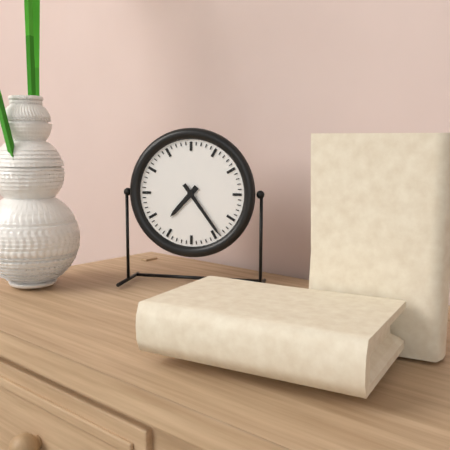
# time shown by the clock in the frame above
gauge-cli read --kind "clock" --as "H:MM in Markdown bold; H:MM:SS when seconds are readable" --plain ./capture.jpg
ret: **7:24**
